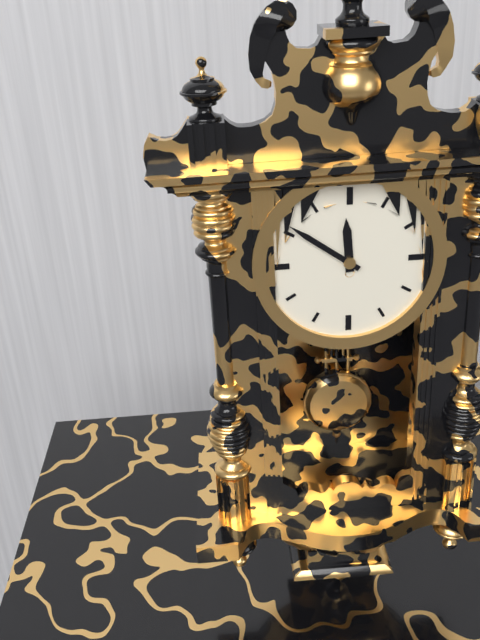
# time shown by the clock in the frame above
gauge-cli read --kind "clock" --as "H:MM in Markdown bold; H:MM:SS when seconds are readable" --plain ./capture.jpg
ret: **11:51**
